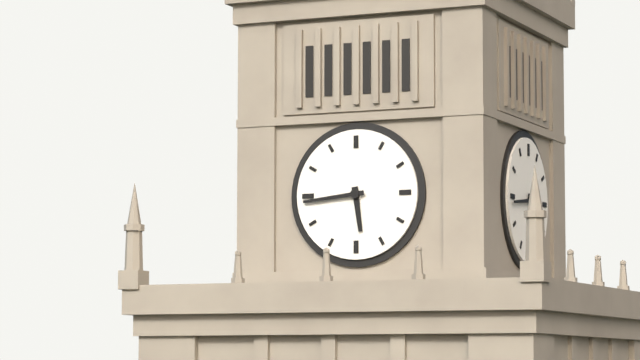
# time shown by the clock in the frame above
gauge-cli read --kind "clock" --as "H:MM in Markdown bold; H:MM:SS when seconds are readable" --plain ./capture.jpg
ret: **5:44**
